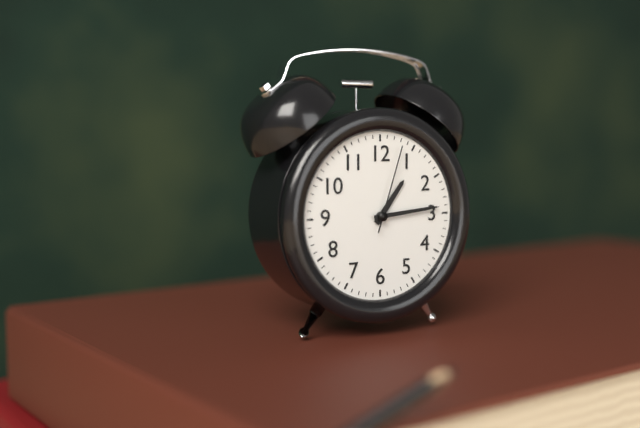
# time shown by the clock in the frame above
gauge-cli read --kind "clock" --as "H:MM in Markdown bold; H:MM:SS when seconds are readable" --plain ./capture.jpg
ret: **1:14:03**
